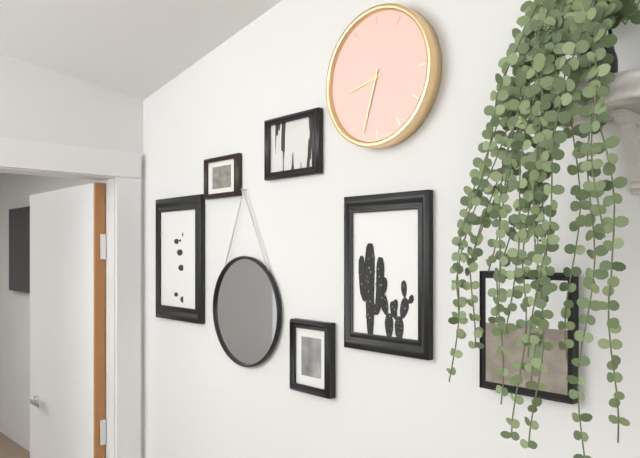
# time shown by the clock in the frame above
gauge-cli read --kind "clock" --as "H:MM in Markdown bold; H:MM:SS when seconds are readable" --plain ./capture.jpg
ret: **8:33**
